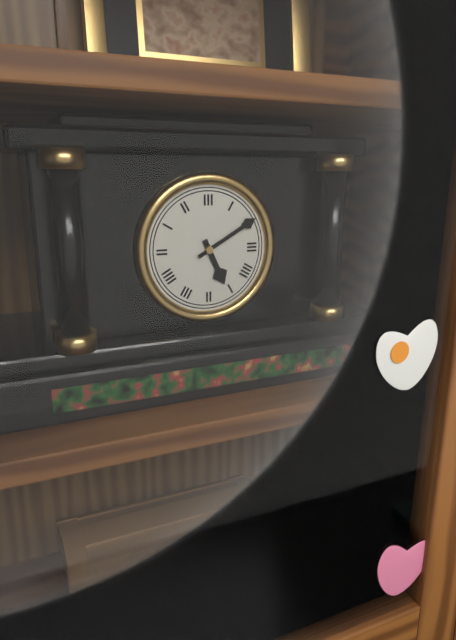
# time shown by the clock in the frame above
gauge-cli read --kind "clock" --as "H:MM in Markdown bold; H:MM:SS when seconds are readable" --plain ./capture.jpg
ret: **5:10**
